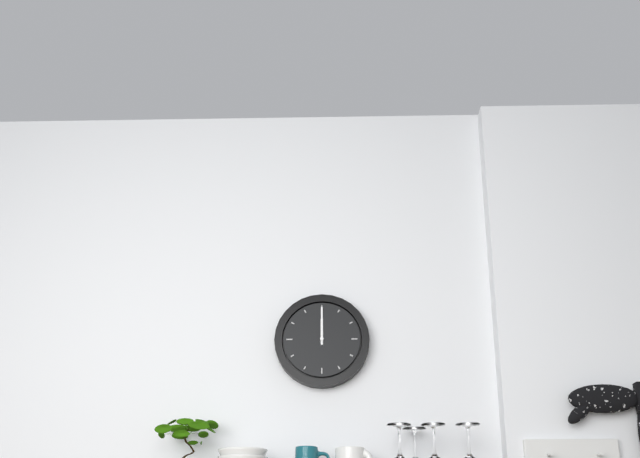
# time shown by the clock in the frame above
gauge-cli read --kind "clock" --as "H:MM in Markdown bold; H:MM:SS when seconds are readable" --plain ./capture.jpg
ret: **12:00**
